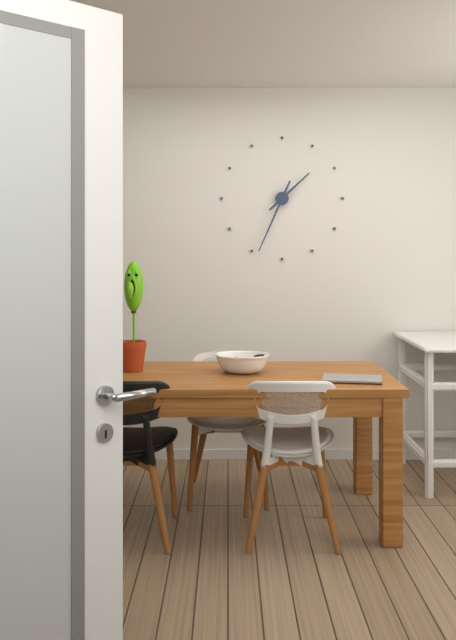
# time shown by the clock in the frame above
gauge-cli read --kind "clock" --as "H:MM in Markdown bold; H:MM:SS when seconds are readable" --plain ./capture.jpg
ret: **1:34**
